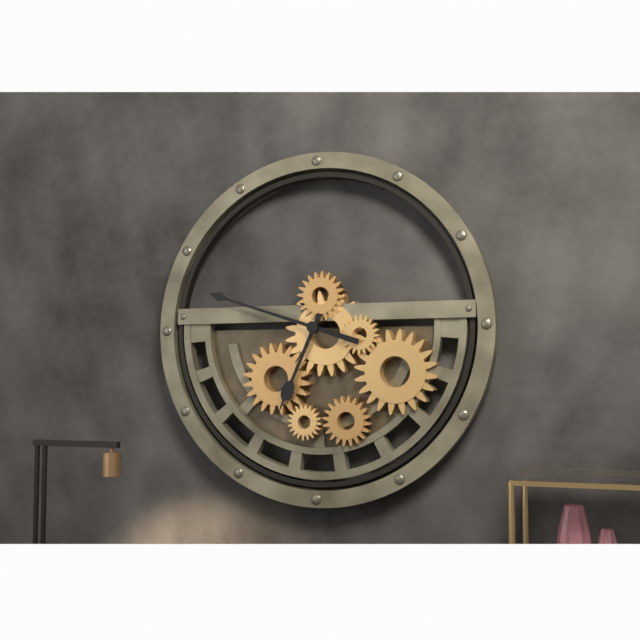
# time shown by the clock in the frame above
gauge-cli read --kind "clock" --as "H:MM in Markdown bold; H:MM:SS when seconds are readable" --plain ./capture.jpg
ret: **6:48**
